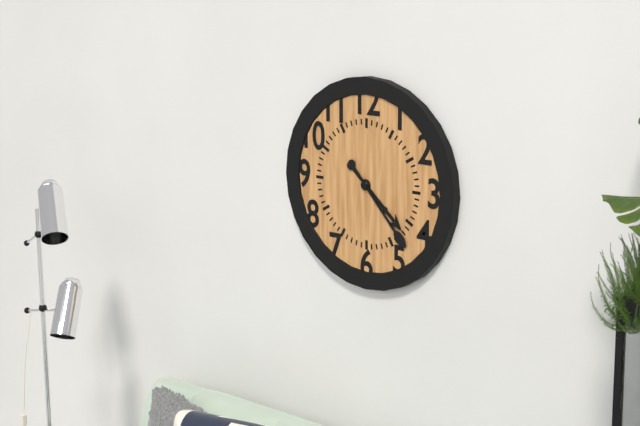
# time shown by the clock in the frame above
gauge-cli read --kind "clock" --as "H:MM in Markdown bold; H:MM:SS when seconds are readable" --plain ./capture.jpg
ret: **4:23**
